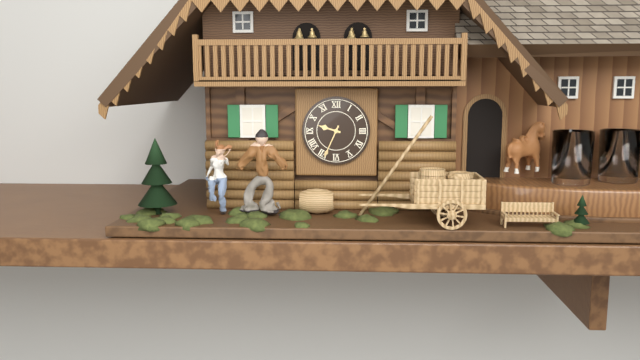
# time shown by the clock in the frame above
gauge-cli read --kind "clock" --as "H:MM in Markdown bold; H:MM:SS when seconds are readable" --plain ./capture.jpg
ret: **9:34**
